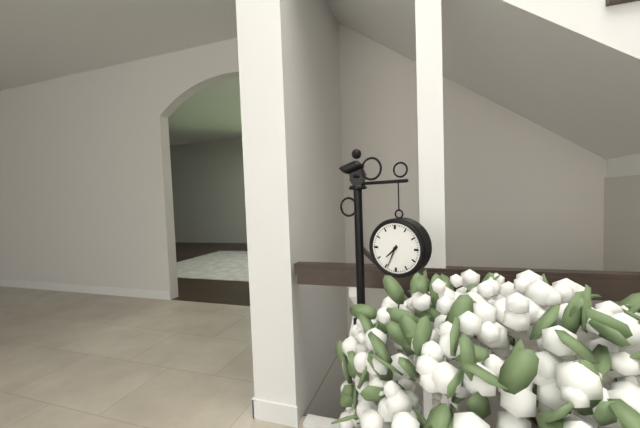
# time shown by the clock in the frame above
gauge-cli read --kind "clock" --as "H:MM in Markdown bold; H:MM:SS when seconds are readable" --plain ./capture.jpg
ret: **7:34**
